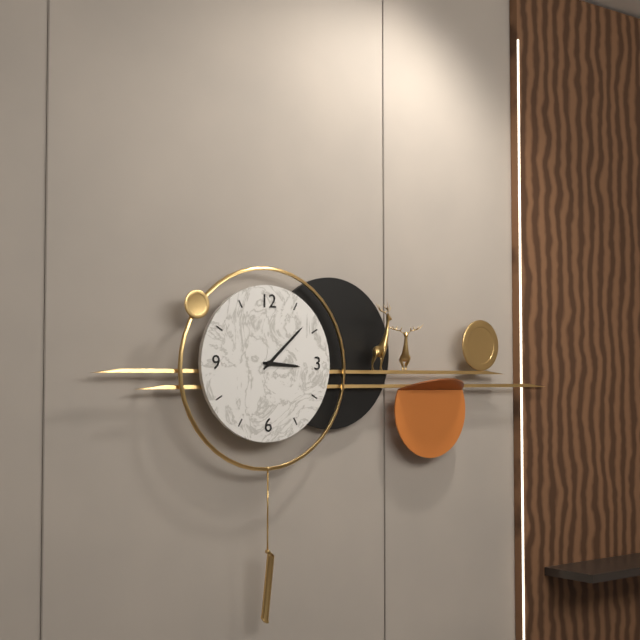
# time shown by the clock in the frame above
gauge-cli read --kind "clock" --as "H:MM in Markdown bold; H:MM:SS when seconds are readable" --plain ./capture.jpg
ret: **3:08**
